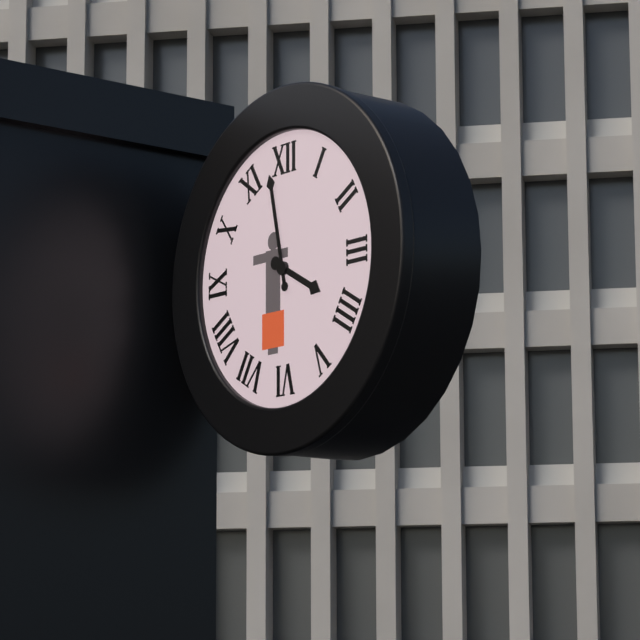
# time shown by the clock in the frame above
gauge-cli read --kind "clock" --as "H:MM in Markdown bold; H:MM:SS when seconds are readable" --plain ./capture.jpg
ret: **3:58**
